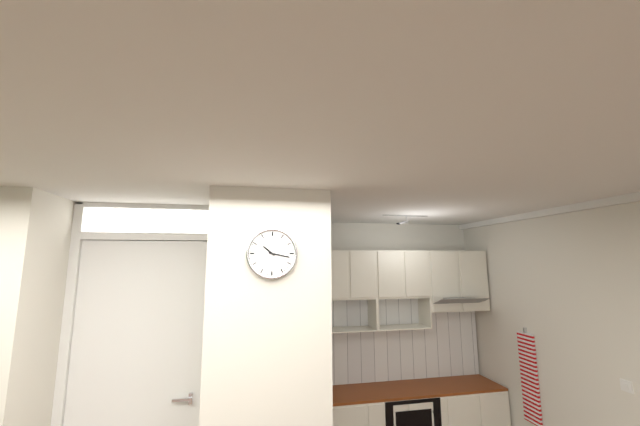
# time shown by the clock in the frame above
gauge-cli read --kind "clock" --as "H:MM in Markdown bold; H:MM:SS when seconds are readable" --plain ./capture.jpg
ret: **10:17**
